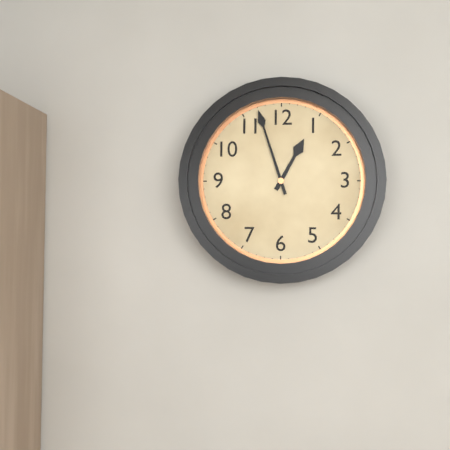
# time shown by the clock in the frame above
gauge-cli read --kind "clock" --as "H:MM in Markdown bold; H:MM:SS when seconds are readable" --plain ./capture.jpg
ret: **12:57**
